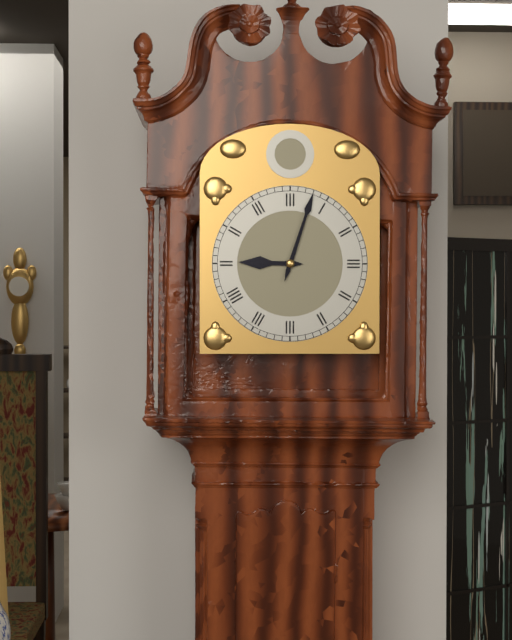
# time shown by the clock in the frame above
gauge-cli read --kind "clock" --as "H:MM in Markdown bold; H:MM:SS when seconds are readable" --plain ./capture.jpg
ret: **9:03**
